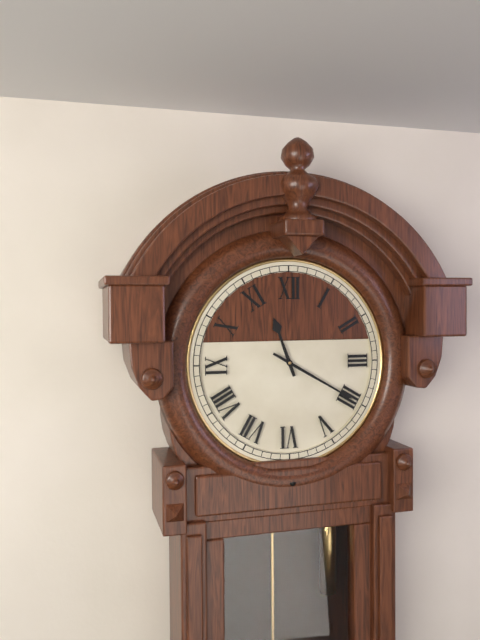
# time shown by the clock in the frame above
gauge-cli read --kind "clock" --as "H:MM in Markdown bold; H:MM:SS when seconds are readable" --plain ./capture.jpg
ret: **11:20**
